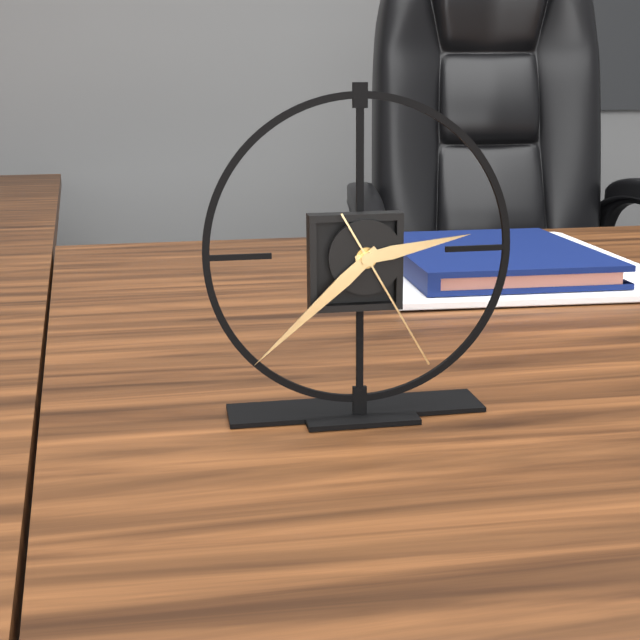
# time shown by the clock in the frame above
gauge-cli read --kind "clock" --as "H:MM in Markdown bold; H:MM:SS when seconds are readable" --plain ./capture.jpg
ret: **2:38:25**
